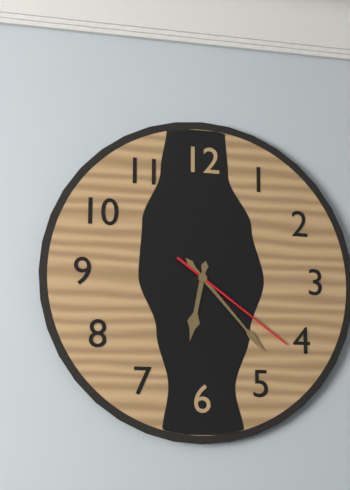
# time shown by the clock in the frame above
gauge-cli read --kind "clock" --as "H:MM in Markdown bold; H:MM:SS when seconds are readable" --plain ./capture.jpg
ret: **6:23:21**
